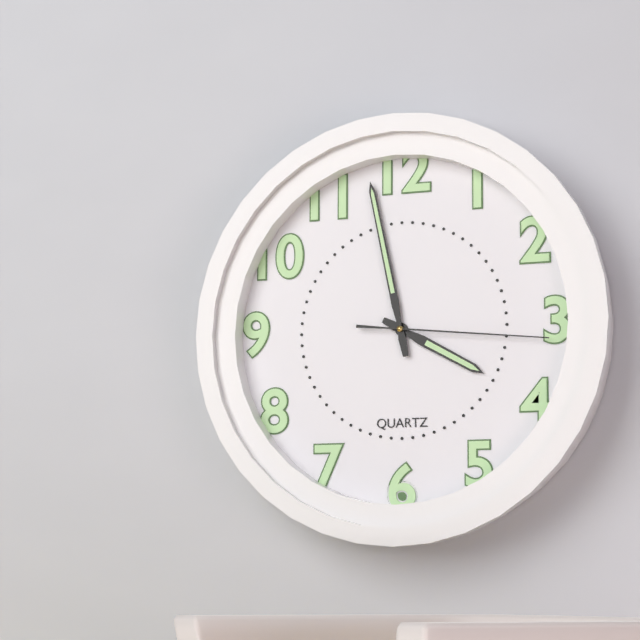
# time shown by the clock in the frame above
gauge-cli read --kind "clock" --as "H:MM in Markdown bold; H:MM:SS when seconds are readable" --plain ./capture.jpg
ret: **3:58:16**
